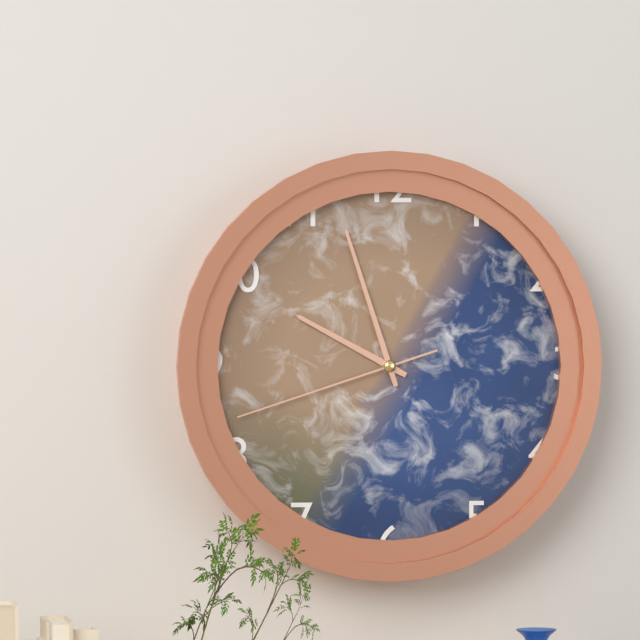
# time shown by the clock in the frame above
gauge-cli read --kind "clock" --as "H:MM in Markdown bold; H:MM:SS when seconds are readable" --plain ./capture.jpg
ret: **9:57:42**
